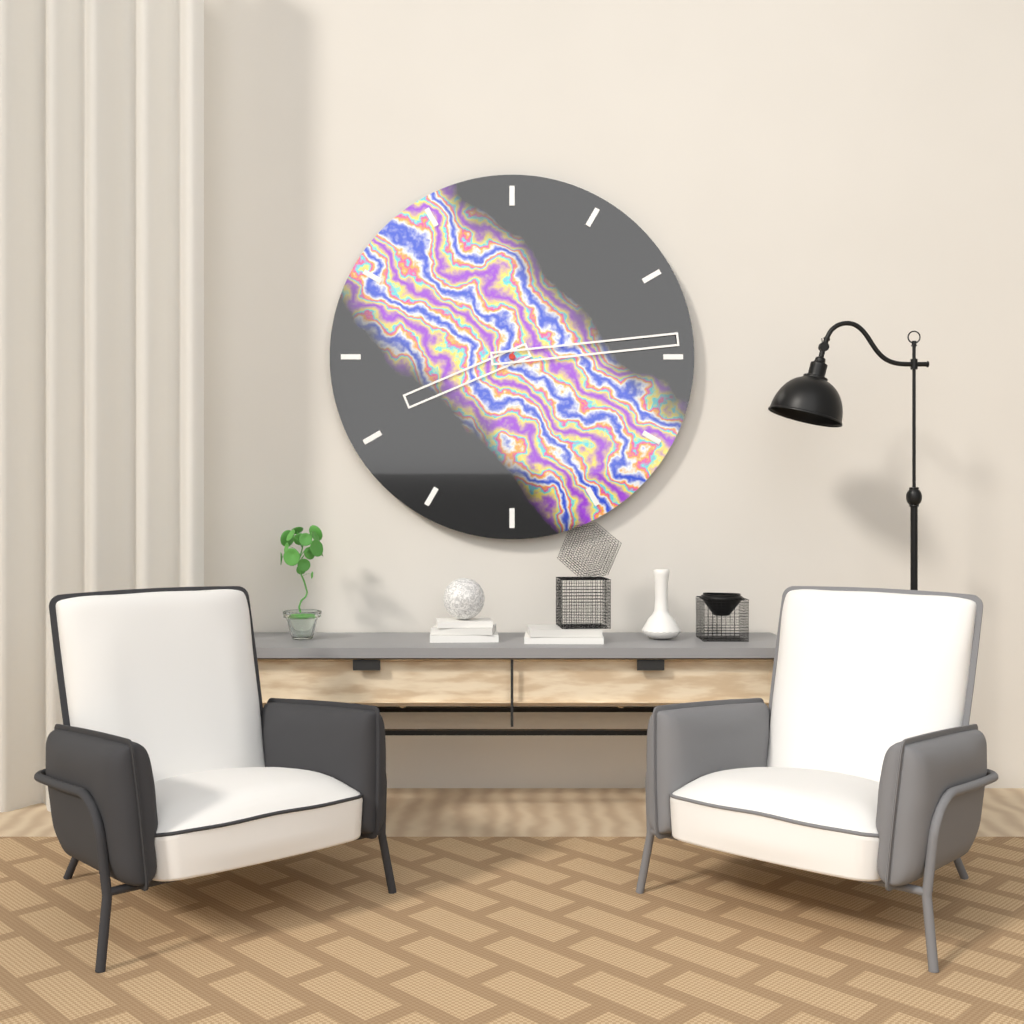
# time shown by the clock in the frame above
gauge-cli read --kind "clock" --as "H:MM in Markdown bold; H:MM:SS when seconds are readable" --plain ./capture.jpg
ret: **8:14**
